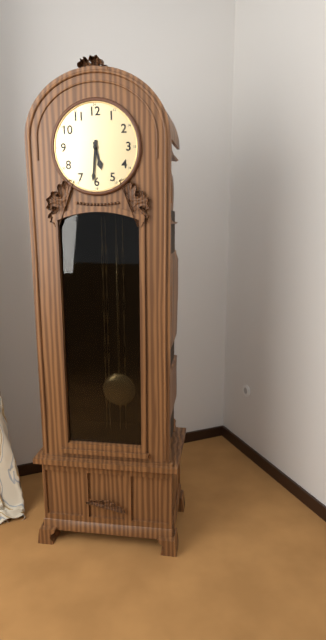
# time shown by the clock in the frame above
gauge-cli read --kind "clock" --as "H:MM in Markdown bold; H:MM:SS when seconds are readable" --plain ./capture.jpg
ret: **5:31**
